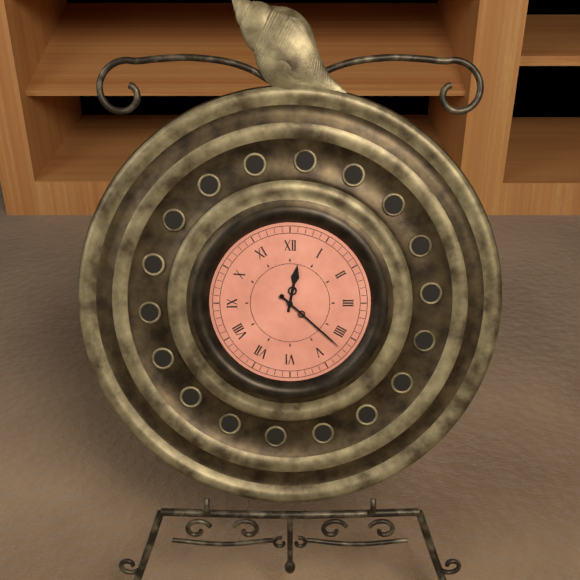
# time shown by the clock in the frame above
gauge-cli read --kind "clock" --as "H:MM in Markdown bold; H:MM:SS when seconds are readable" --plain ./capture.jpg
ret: **12:22**
